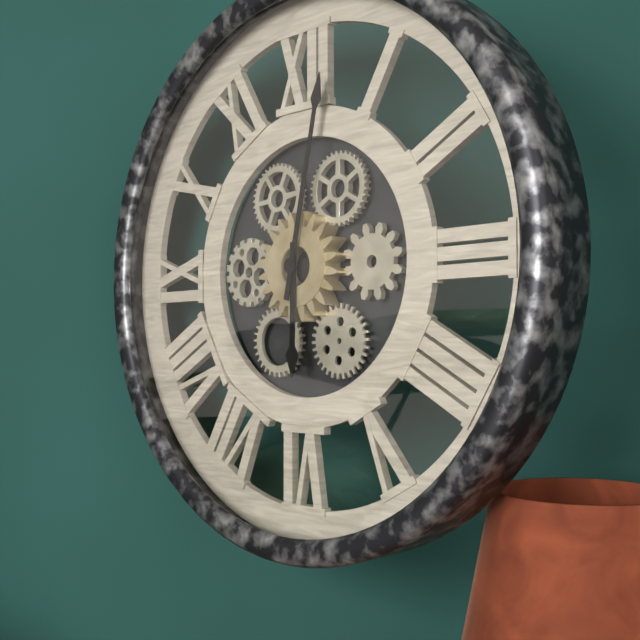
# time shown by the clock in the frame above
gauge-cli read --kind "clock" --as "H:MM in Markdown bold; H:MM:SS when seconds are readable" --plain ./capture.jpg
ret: **6:02**
